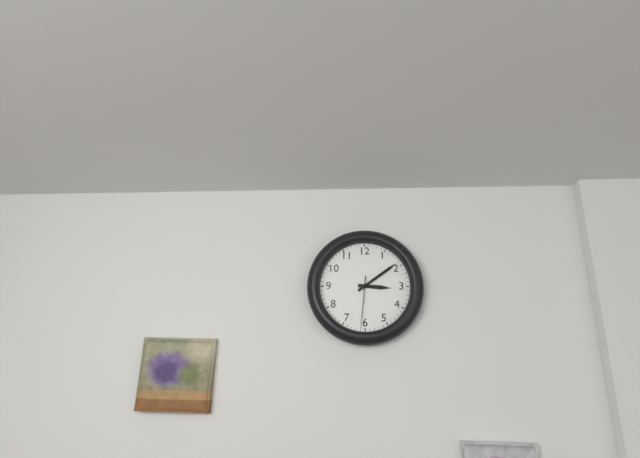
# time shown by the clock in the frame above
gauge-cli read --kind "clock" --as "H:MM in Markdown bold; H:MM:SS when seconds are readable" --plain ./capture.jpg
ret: **3:09:31**
